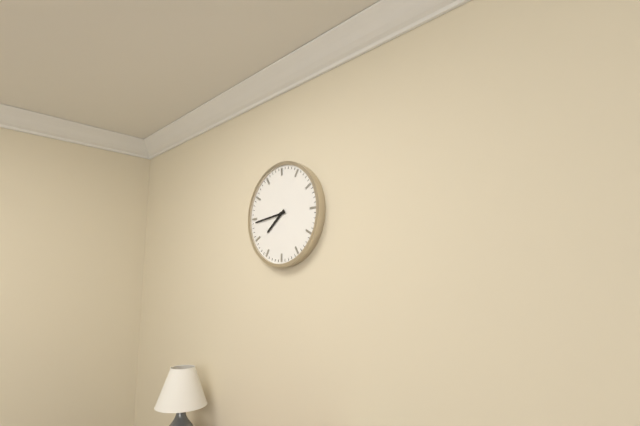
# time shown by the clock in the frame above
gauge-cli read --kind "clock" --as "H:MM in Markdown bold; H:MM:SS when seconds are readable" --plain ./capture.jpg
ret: **7:44**
